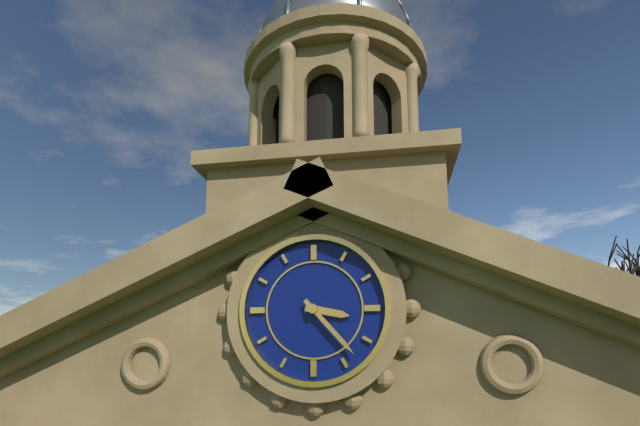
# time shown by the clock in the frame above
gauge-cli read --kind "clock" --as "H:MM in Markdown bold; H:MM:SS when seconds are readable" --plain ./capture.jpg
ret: **3:23**
